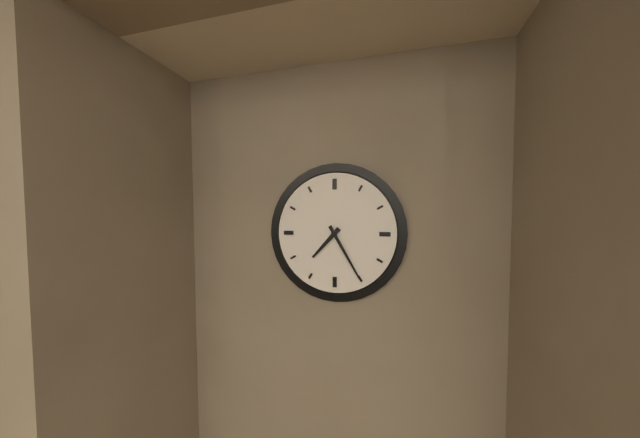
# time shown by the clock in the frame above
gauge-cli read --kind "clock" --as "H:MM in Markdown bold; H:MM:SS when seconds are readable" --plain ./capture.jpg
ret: **7:25**
